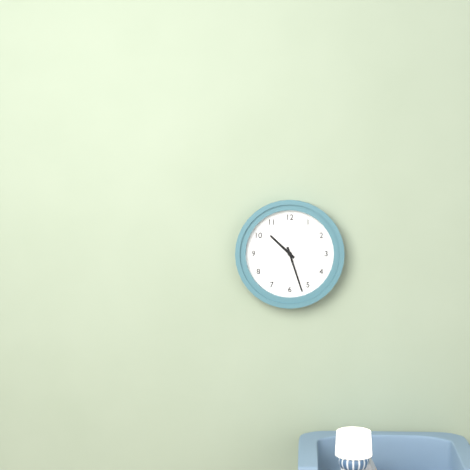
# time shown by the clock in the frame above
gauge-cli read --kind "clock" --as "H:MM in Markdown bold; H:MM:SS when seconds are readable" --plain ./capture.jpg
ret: **10:27**
